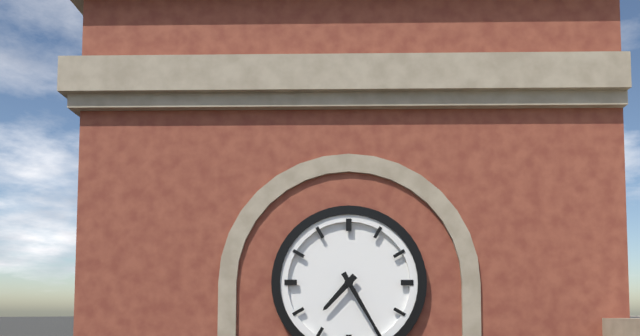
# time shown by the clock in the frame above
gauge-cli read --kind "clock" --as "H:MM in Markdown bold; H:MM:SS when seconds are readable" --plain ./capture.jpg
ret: **7:25**
